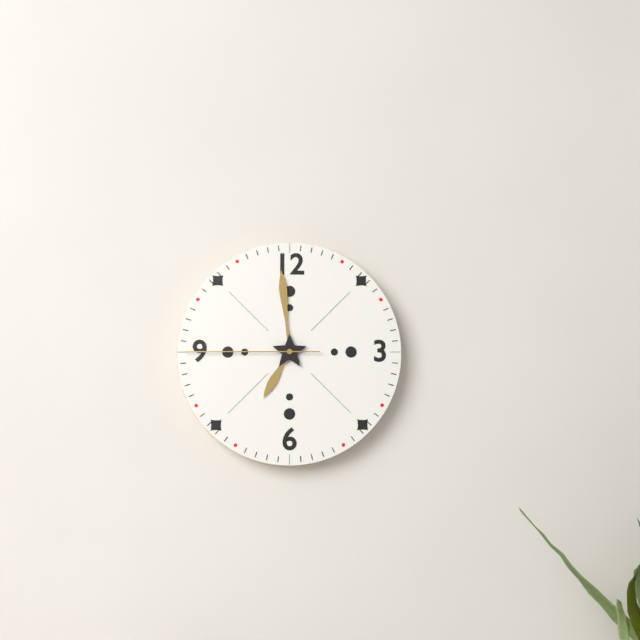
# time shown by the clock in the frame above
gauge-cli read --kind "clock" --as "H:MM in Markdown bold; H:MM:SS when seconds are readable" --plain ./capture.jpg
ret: **6:59:45**
